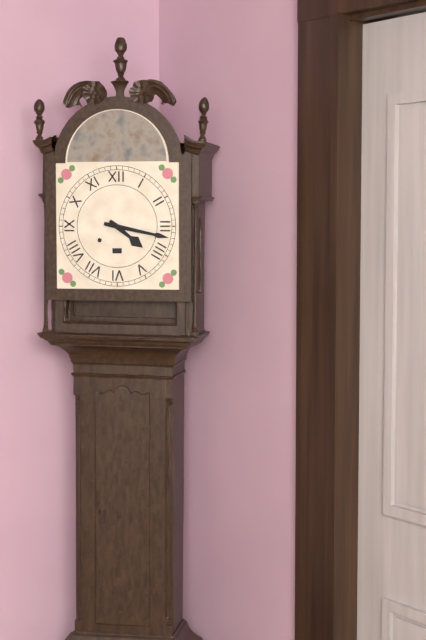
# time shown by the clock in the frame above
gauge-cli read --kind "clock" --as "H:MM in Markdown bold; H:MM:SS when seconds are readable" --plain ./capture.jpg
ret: **4:17**
